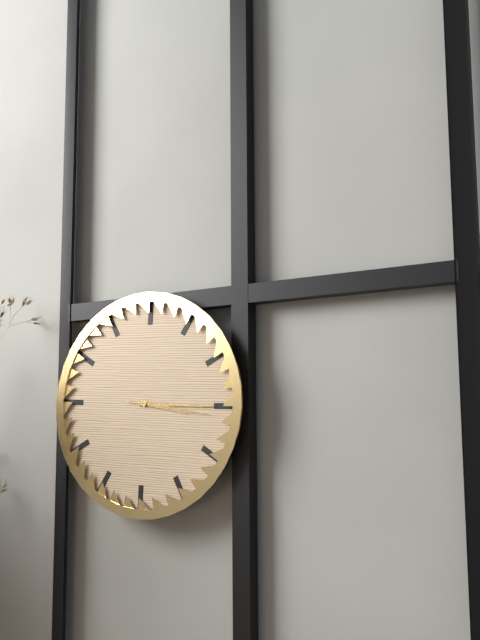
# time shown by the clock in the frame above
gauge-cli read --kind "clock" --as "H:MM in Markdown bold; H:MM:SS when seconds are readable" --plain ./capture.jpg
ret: **3:15:16**
